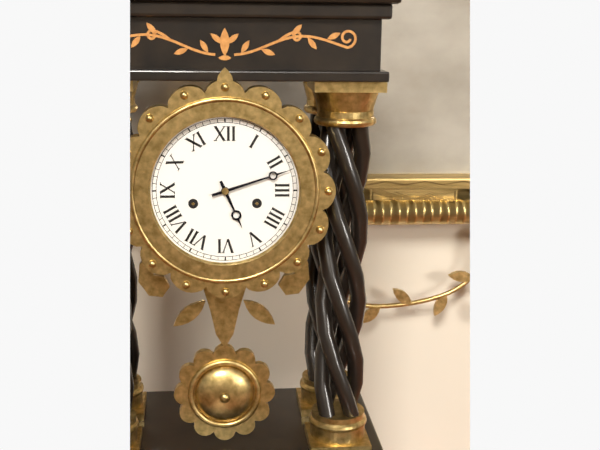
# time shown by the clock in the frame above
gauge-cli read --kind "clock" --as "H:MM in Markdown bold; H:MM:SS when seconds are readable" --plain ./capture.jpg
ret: **5:12**
